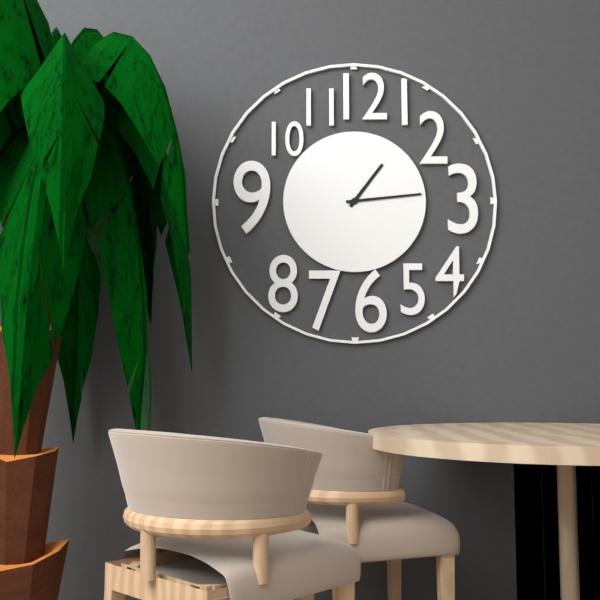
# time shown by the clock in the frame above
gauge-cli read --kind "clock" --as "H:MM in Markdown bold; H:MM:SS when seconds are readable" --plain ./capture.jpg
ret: **1:14**
